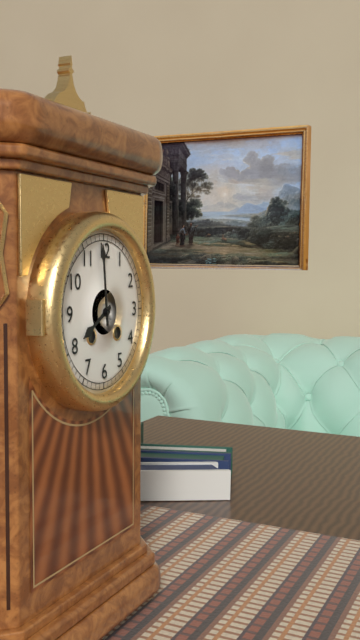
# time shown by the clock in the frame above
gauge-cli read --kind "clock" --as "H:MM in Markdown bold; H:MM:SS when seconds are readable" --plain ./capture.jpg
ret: **7:59**
